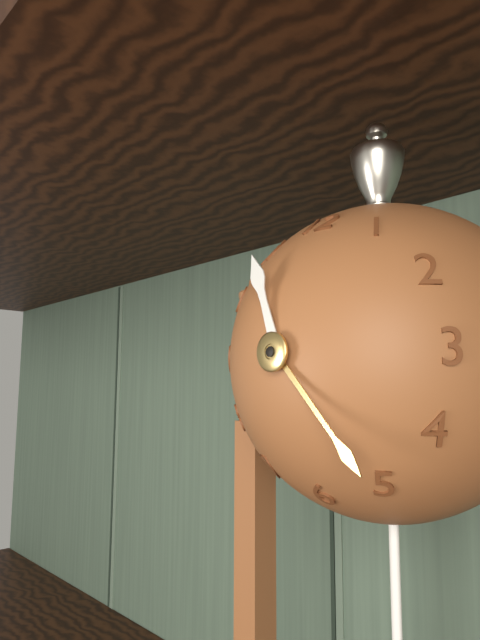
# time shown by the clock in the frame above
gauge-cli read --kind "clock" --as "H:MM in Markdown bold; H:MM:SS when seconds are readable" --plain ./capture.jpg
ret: **11:23**
